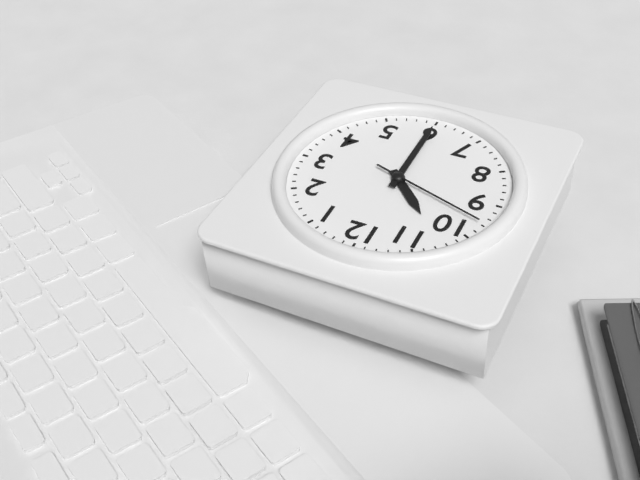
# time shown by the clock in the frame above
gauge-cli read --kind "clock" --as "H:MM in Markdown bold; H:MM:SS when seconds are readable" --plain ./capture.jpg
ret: **10:30:48**
